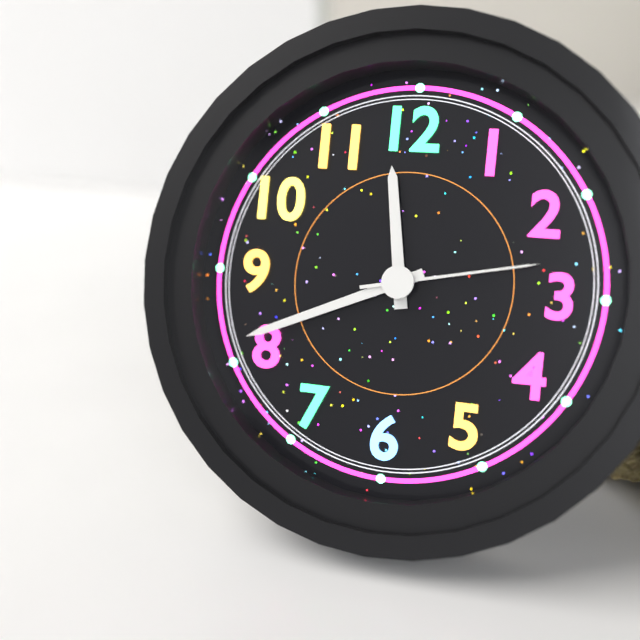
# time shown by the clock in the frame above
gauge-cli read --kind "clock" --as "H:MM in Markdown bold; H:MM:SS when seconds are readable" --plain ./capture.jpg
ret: **11:41:13**
